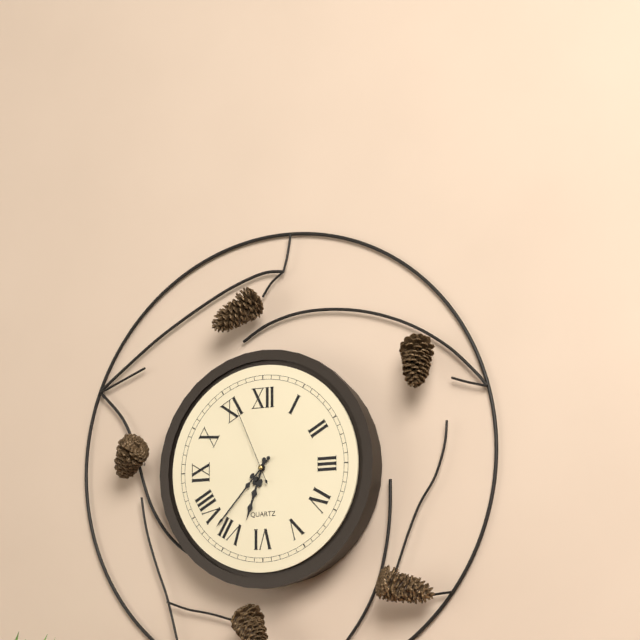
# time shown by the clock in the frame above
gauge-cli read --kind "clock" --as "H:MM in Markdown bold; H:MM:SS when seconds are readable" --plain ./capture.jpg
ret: **6:37:56**
